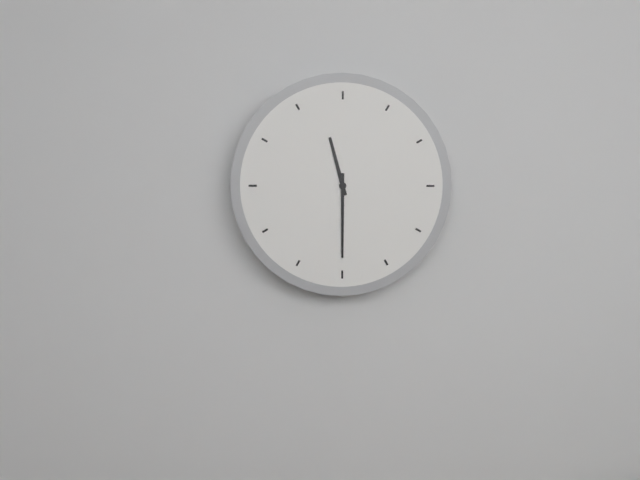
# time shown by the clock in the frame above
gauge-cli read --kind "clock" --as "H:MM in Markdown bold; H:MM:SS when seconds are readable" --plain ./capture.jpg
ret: **11:30**
